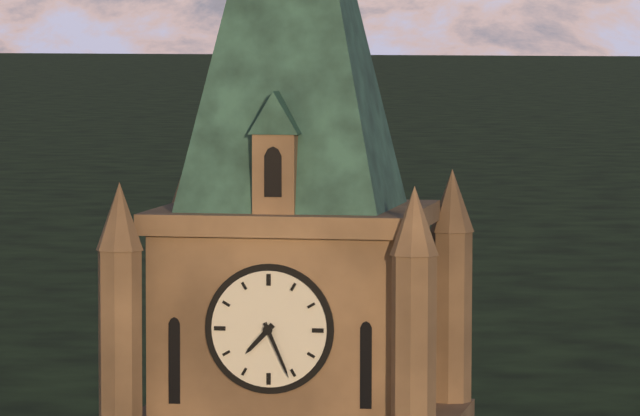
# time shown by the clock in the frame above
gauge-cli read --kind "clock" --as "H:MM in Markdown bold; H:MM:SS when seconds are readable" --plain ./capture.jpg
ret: **7:26**
